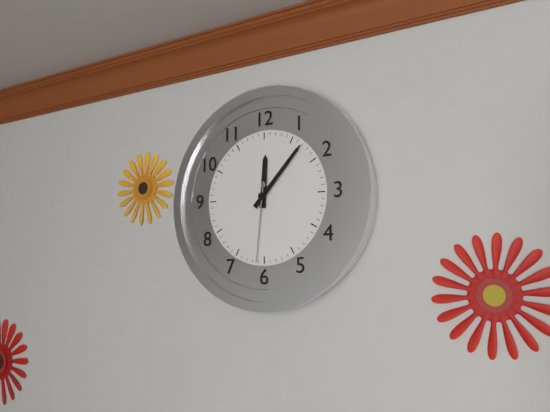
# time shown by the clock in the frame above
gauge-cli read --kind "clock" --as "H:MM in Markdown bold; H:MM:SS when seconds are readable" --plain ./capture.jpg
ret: **12:07:31**
